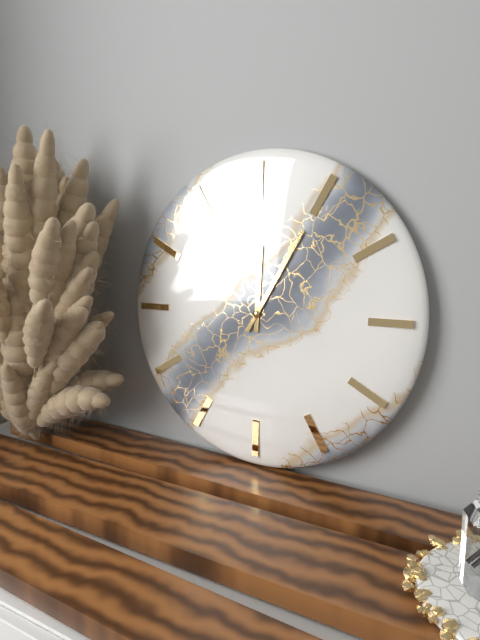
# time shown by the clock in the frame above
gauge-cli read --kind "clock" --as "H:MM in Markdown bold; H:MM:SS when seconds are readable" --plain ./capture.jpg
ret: **12:05**
